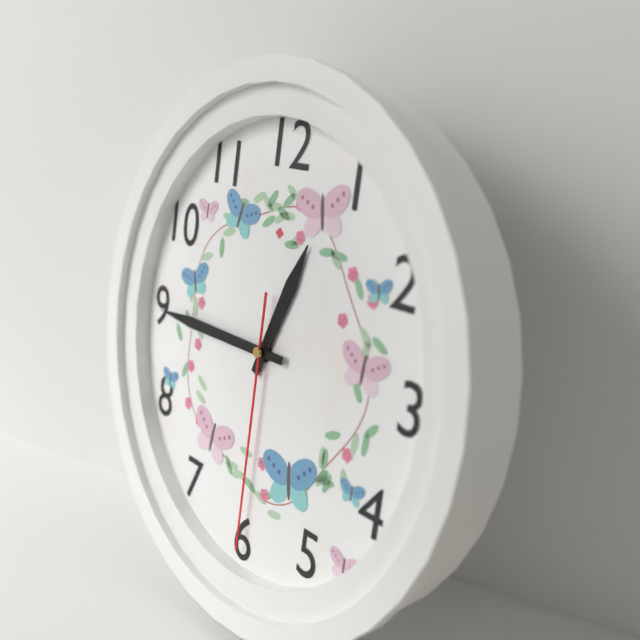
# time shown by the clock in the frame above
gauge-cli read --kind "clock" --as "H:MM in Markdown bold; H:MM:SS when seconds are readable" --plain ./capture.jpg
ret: **12:45:30**
